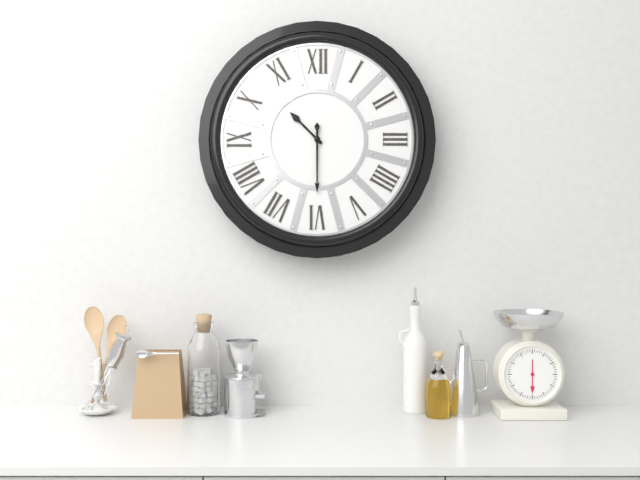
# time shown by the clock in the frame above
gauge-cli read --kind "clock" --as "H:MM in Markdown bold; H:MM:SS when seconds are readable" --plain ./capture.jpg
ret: **10:30**
